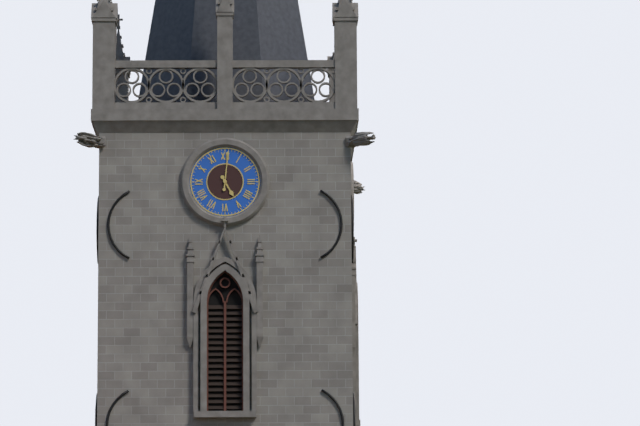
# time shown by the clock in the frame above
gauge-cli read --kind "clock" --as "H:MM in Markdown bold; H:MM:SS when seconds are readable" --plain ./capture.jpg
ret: **5:01**
